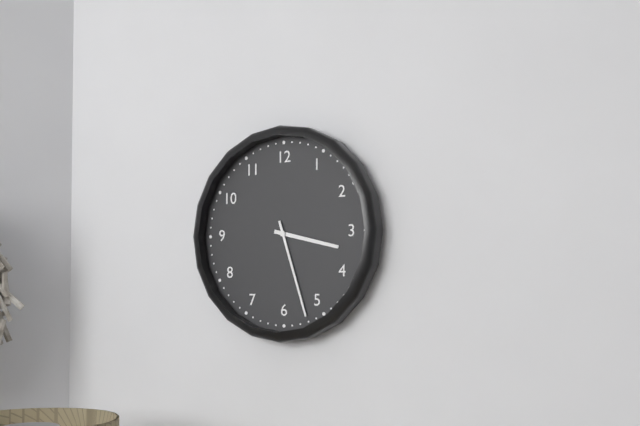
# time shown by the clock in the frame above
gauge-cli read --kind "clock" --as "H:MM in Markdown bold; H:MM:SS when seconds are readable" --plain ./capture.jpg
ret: **3:27**
